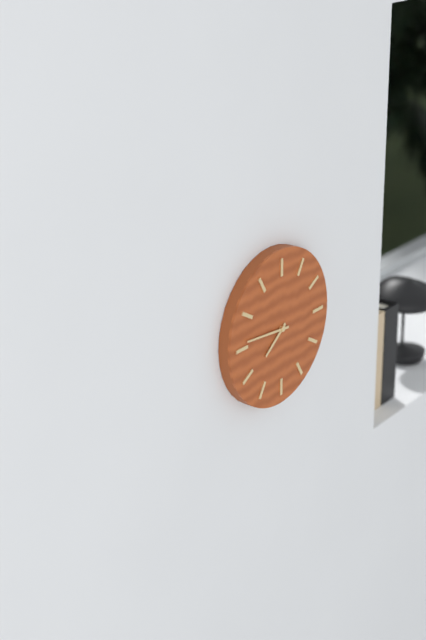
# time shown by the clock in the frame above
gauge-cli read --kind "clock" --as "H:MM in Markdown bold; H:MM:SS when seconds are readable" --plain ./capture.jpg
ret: **7:46**
